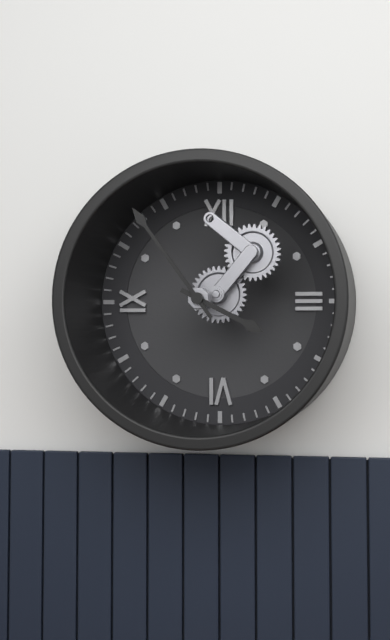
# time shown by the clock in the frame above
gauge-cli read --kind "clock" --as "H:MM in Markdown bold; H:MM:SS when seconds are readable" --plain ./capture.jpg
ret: **3:54**
